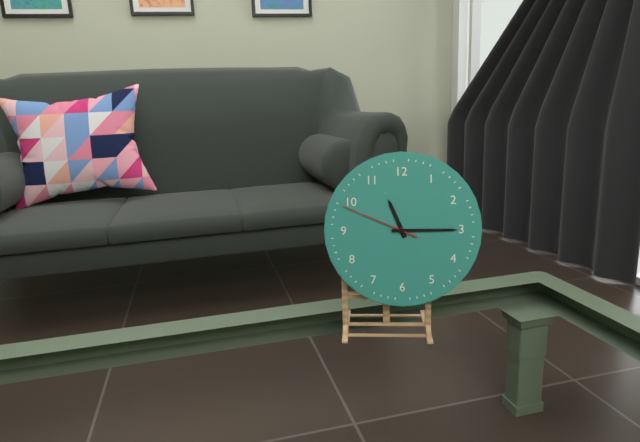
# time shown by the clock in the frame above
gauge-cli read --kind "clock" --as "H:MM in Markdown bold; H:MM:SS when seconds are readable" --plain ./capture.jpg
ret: **11:15:49**
